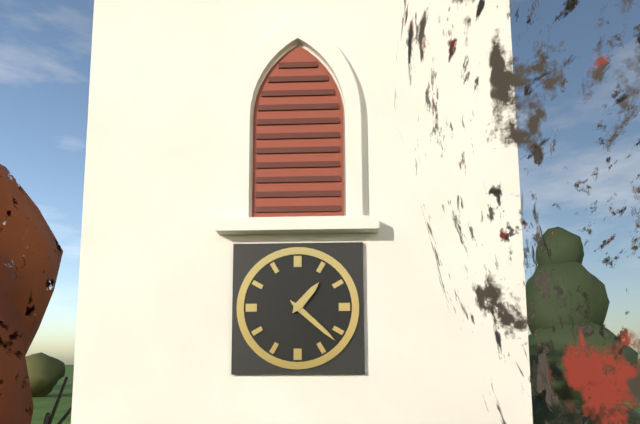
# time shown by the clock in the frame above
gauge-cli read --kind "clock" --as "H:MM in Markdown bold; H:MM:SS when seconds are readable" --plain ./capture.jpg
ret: **1:22**
